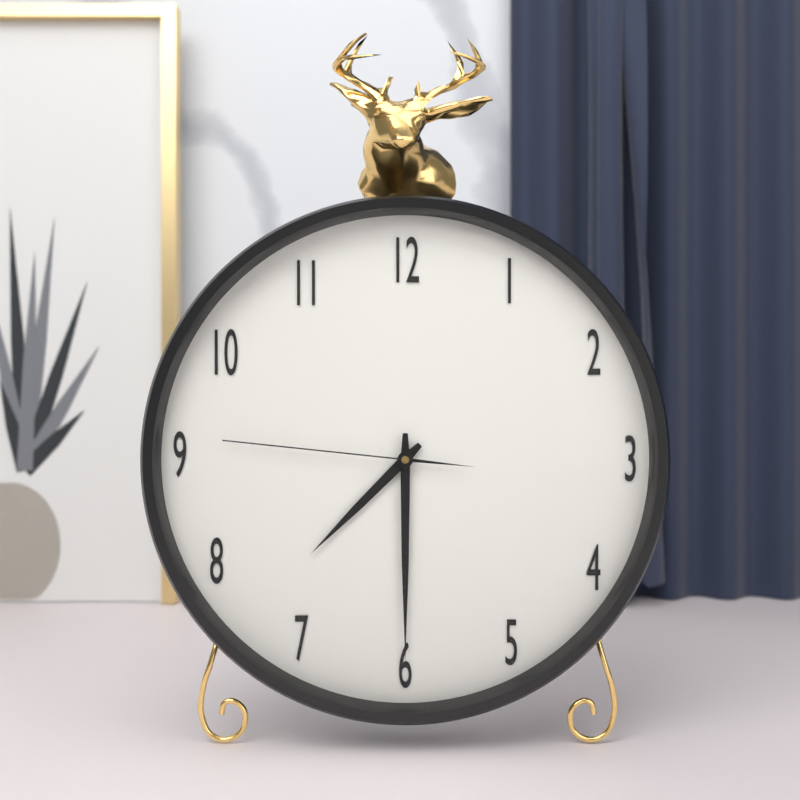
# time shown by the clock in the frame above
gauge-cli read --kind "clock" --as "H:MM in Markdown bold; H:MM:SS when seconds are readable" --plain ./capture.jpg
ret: **7:30:46**
